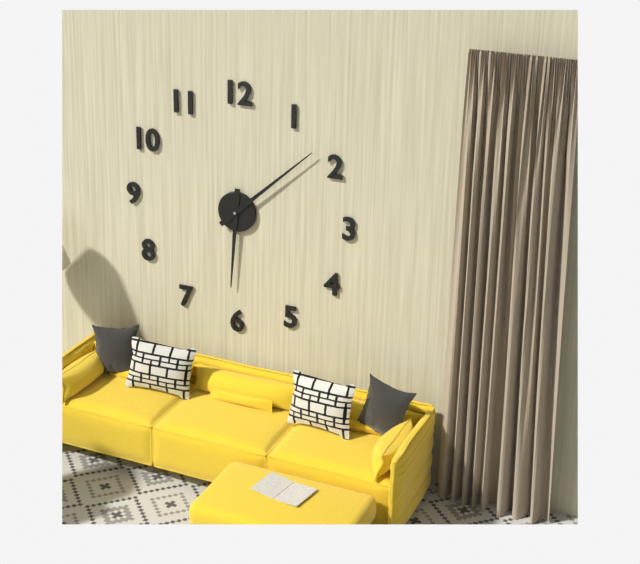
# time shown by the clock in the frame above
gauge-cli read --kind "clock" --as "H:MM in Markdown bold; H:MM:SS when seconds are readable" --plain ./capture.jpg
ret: **6:08**
